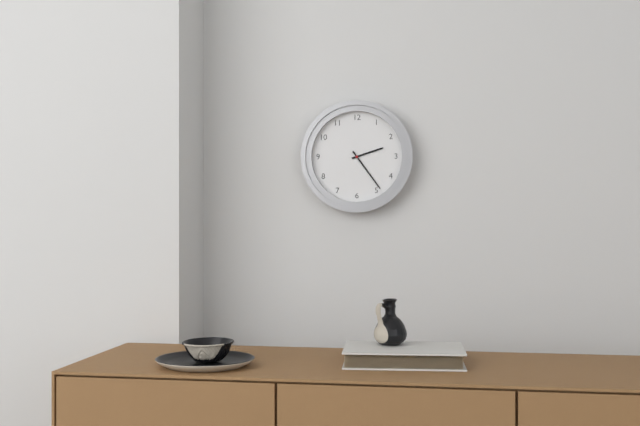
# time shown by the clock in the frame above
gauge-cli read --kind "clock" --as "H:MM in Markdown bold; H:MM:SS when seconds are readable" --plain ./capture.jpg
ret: **2:24**
